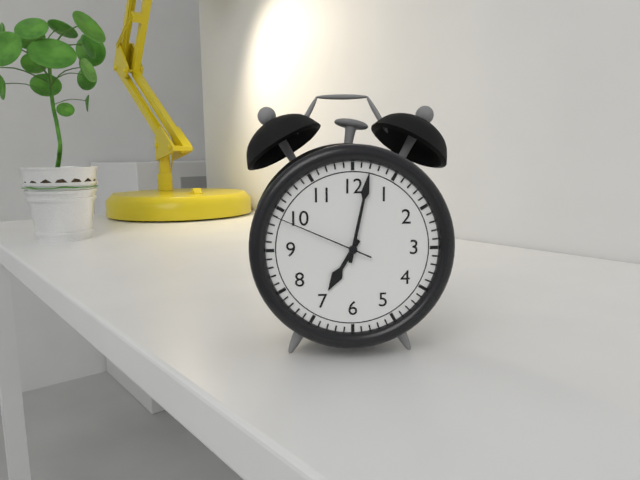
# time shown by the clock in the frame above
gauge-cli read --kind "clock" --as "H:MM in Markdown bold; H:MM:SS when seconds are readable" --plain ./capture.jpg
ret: **7:02:49**
